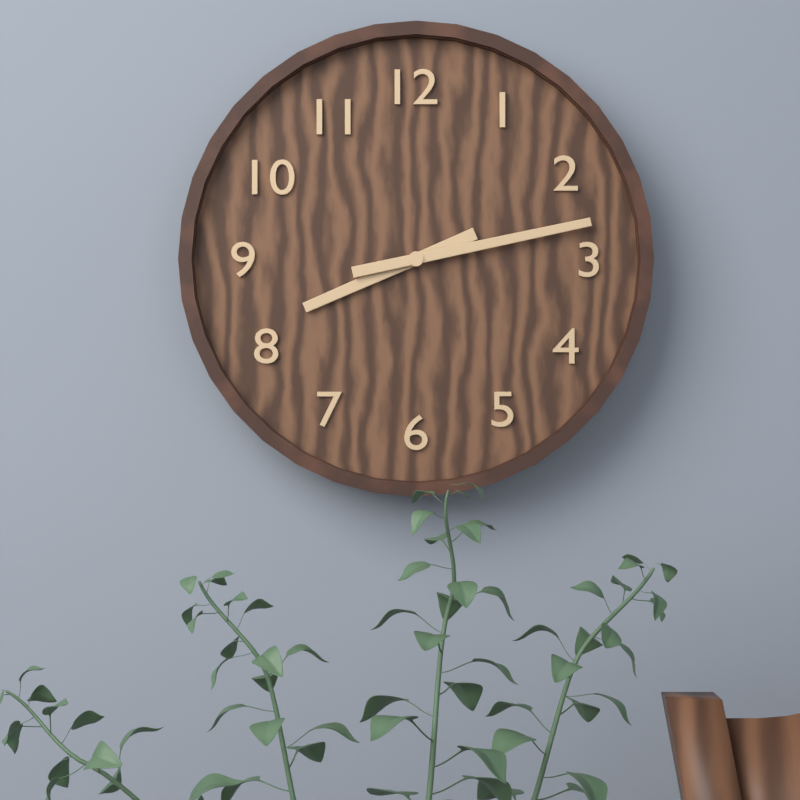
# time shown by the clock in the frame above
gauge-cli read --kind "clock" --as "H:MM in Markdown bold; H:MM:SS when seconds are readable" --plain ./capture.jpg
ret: **8:13**
